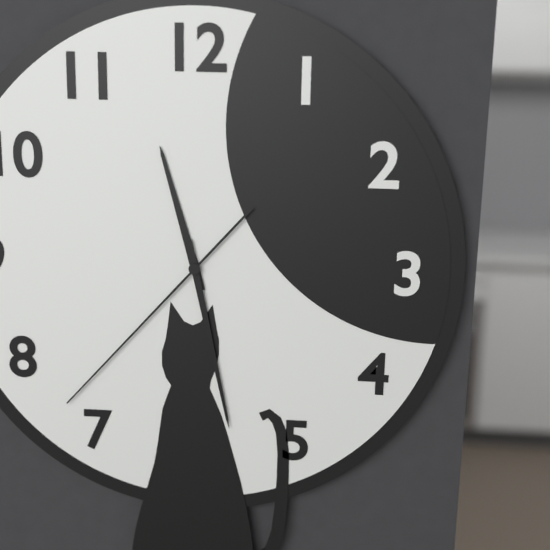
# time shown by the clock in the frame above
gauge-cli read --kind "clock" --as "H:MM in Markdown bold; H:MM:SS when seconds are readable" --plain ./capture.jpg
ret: **11:28:37**
